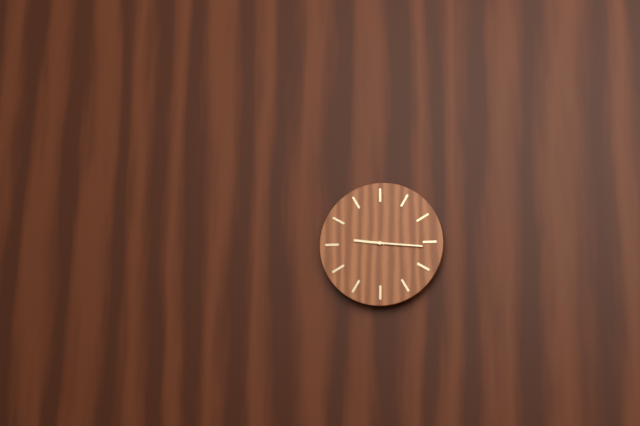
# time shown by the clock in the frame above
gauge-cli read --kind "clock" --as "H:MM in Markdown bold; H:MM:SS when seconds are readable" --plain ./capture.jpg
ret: **9:16**
